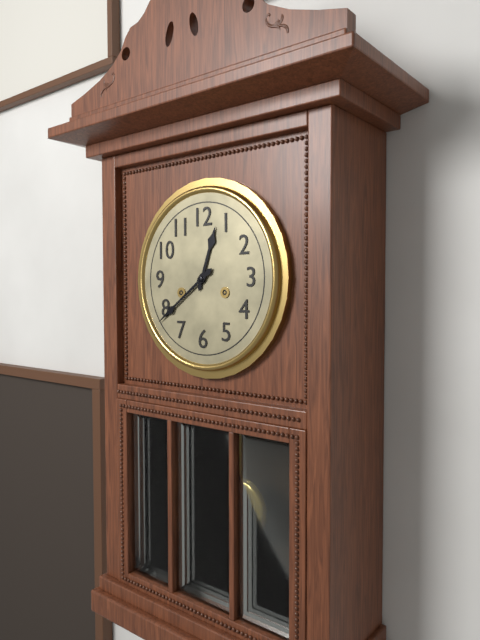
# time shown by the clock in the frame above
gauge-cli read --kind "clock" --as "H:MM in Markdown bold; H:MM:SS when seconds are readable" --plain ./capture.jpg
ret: **12:39**
